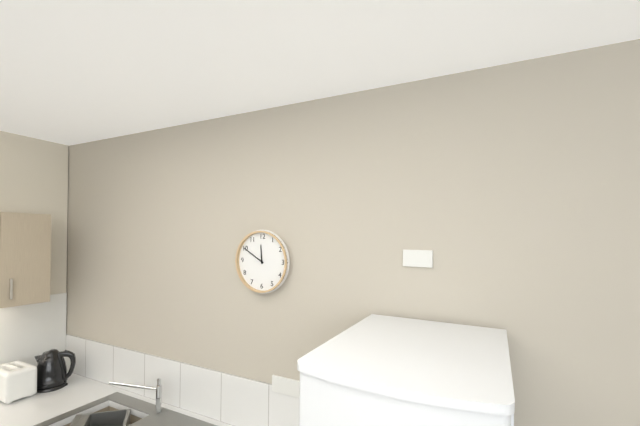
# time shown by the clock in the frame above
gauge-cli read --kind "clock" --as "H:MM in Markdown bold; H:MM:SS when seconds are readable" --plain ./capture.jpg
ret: **11:50**
